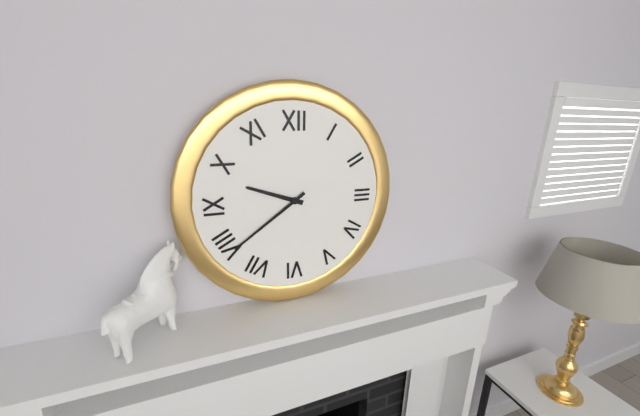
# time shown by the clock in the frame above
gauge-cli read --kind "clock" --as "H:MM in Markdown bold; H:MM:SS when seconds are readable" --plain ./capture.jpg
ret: **9:39**
